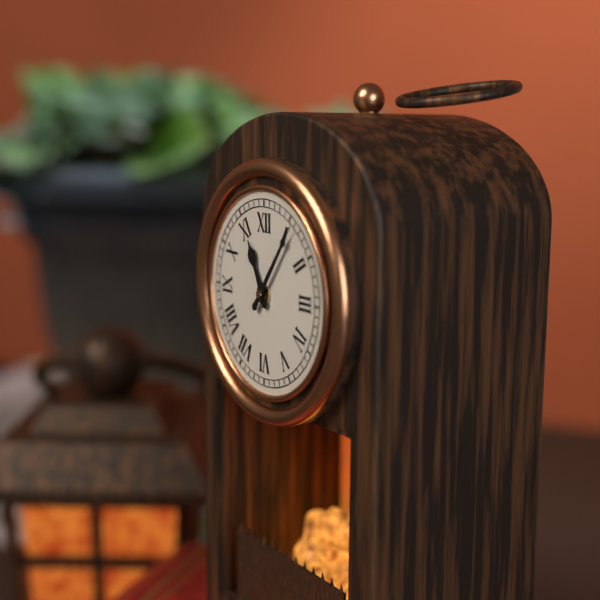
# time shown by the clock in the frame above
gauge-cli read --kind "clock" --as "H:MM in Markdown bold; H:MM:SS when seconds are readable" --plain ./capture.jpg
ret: **11:06**
